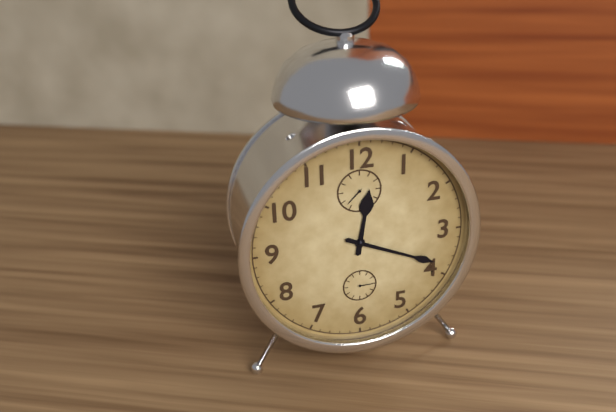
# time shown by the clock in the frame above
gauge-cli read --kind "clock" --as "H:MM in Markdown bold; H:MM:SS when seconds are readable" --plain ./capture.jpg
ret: **12:19**
